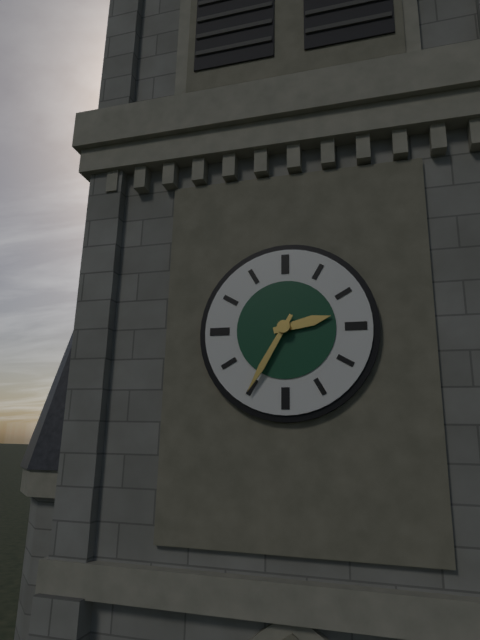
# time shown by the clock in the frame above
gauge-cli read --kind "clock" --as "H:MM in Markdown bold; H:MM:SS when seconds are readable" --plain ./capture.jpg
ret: **2:35**
